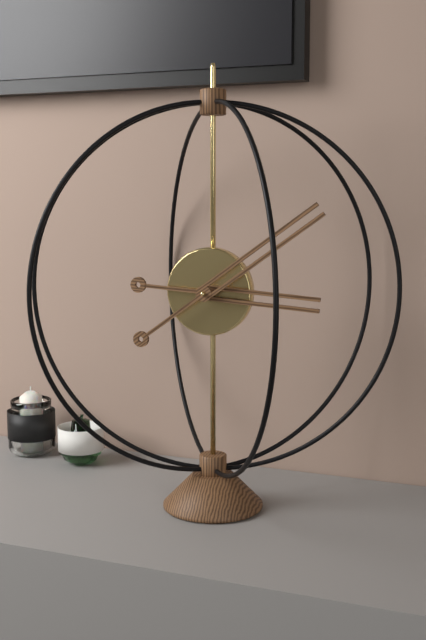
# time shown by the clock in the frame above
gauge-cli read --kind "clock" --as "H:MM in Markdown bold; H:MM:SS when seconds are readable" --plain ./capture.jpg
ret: **3:09**
